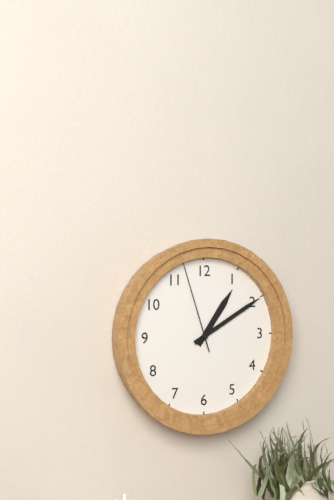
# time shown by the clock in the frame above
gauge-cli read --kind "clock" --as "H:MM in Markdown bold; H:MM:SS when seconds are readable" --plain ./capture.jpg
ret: **1:10:57**
